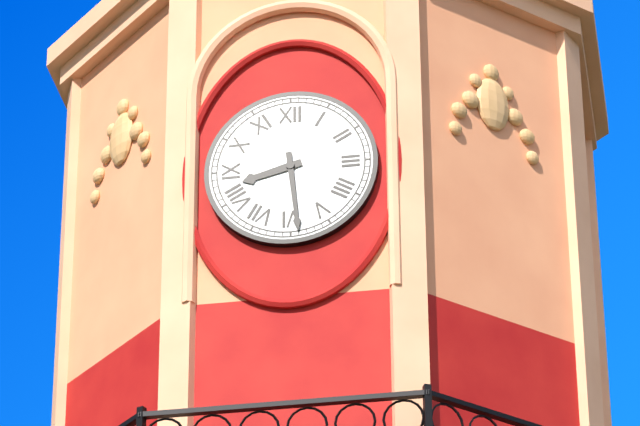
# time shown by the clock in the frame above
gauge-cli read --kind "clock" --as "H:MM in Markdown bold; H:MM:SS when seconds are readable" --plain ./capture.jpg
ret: **8:29**
